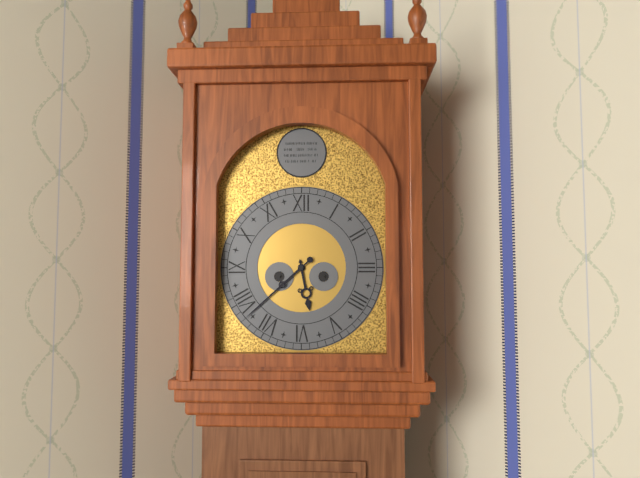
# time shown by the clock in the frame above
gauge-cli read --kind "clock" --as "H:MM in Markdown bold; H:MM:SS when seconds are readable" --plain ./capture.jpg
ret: **5:38**
